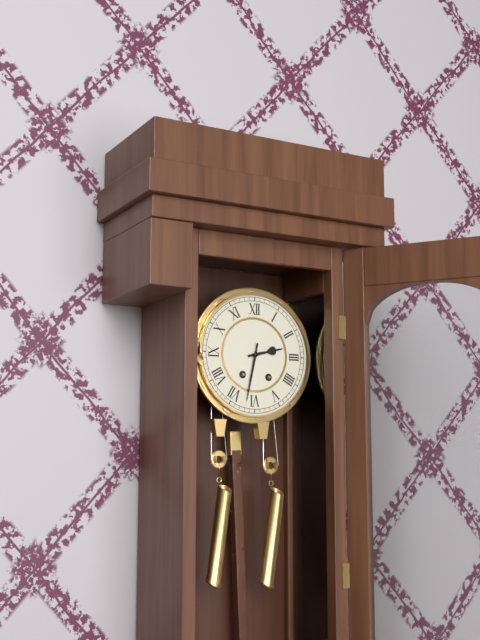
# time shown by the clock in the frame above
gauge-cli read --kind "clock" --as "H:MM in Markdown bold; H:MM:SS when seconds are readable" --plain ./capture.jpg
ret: **2:32**
